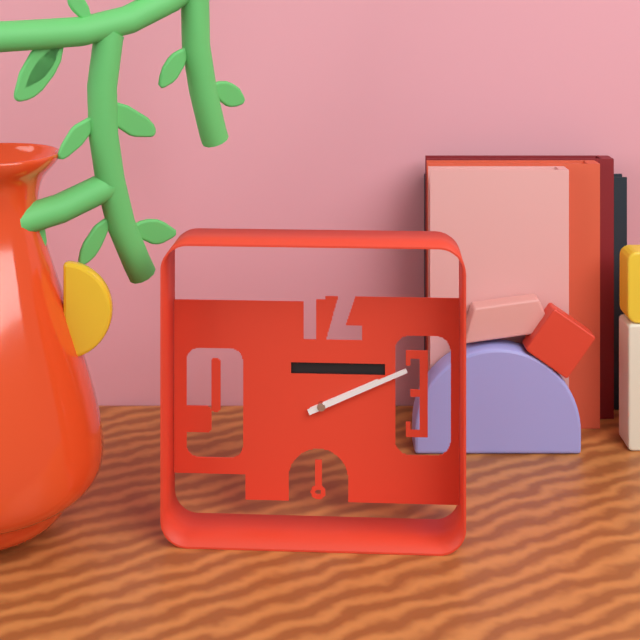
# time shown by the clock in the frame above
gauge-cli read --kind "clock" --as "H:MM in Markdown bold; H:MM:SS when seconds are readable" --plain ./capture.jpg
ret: **2:11**
